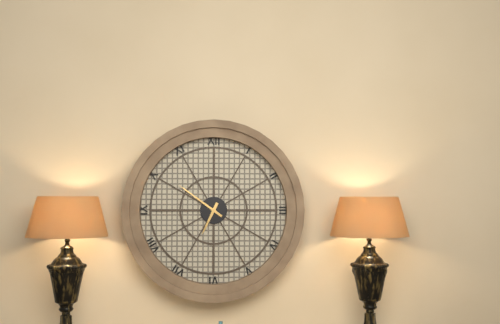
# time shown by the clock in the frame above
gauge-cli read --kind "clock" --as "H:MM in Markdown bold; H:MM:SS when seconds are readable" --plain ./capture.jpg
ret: **6:51**
